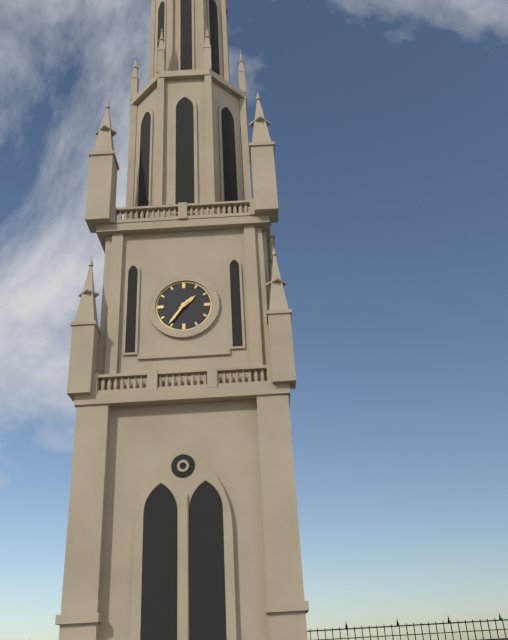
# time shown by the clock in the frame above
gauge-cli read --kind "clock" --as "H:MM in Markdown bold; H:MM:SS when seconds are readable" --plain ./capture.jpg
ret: **1:36**
